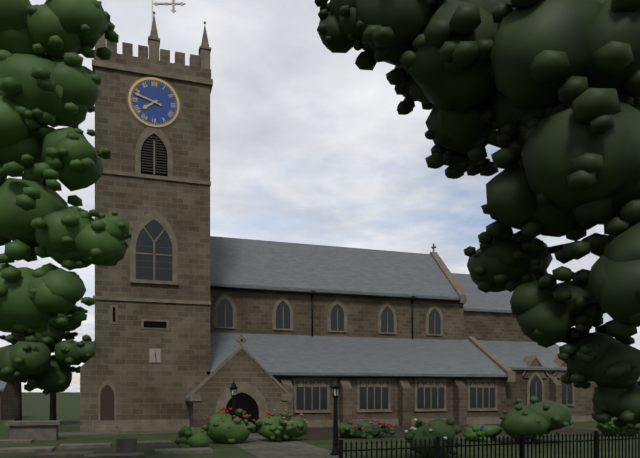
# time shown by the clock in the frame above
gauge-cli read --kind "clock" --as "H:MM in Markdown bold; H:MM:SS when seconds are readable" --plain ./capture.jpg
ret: **7:48**
